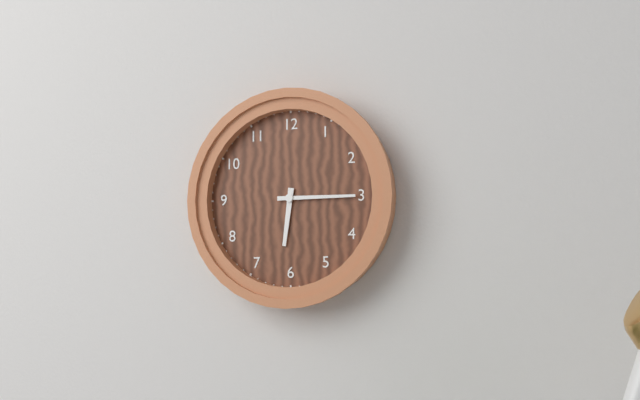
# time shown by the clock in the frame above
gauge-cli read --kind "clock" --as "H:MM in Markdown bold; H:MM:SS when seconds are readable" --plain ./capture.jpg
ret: **6:15**
